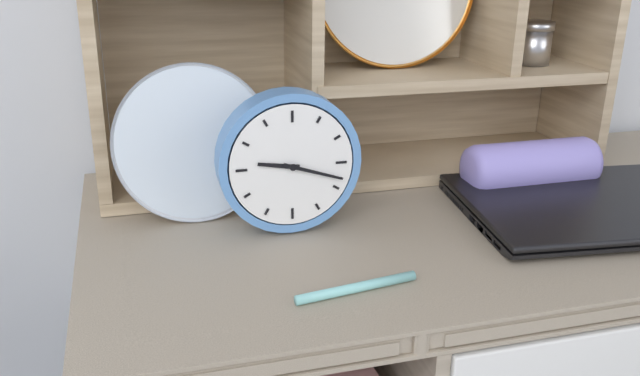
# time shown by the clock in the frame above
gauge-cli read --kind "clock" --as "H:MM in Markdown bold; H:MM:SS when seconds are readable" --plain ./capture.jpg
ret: **9:18**
